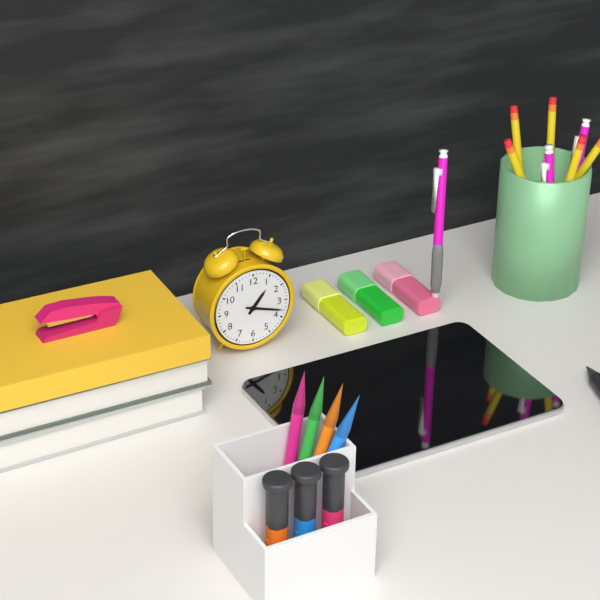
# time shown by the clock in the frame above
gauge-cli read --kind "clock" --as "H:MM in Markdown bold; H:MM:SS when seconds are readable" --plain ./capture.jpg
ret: **1:18**
